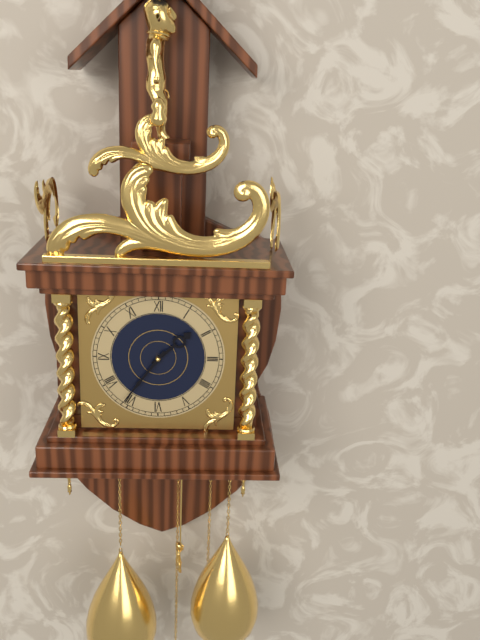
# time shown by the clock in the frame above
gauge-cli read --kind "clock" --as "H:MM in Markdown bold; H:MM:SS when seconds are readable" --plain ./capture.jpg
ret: **1:36**
